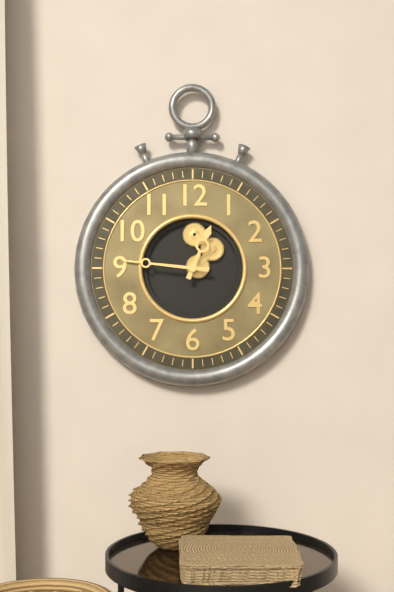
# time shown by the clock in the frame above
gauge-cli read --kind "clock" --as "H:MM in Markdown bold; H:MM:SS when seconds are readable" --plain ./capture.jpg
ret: **12:46**
